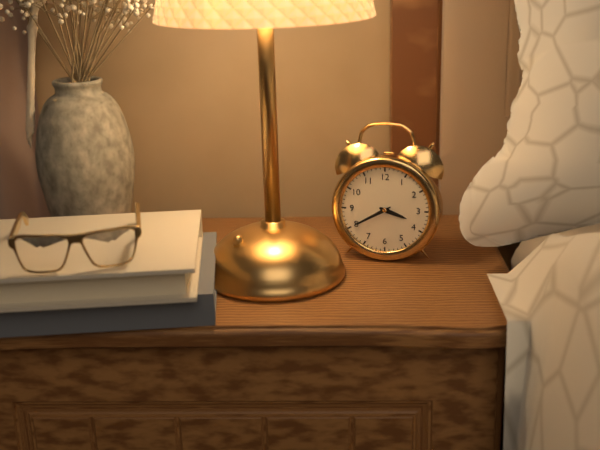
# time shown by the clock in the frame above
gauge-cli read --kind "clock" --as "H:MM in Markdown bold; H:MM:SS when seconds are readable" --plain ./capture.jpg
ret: **3:40**
